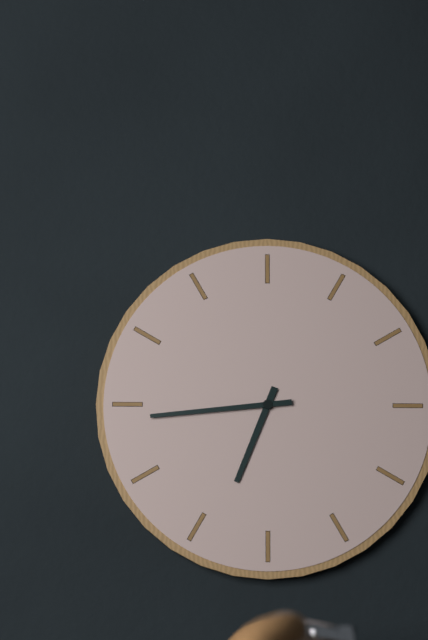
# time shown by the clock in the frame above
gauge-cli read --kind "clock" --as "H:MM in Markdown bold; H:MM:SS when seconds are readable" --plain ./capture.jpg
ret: **6:44**
